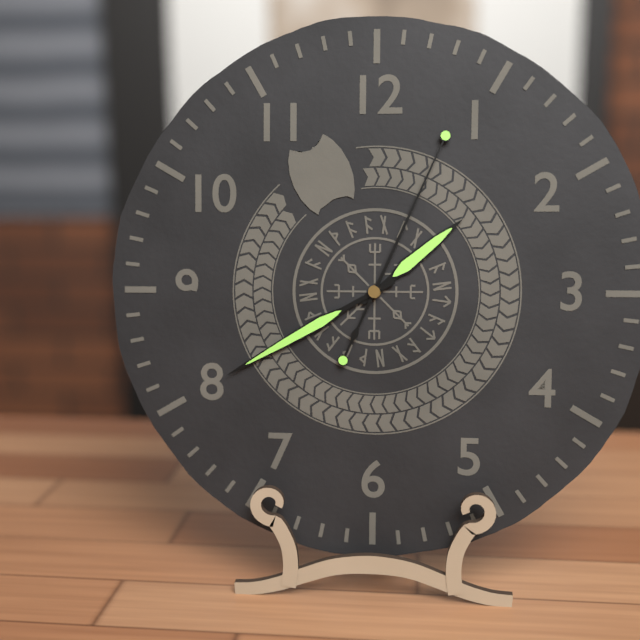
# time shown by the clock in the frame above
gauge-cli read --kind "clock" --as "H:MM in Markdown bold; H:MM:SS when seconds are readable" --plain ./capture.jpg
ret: **1:40:04**
